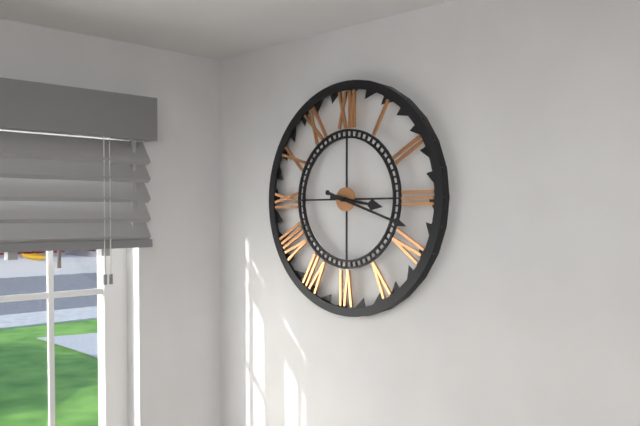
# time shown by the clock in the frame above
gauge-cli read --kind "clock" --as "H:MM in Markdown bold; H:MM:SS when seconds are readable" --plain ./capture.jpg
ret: **3:18**
